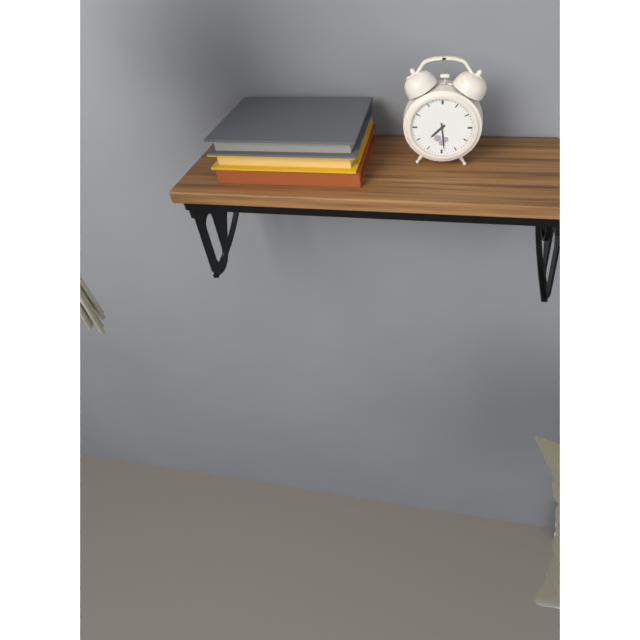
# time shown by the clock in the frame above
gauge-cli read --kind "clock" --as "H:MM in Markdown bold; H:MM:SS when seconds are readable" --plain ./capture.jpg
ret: **7:29**
